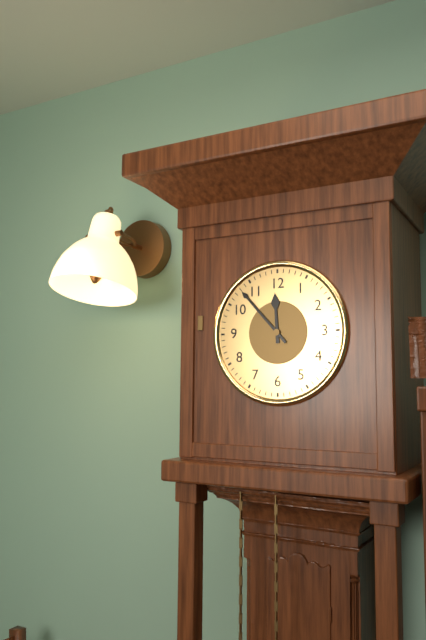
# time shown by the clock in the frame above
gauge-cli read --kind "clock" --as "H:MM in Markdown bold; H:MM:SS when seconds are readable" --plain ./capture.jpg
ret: **11:53**
